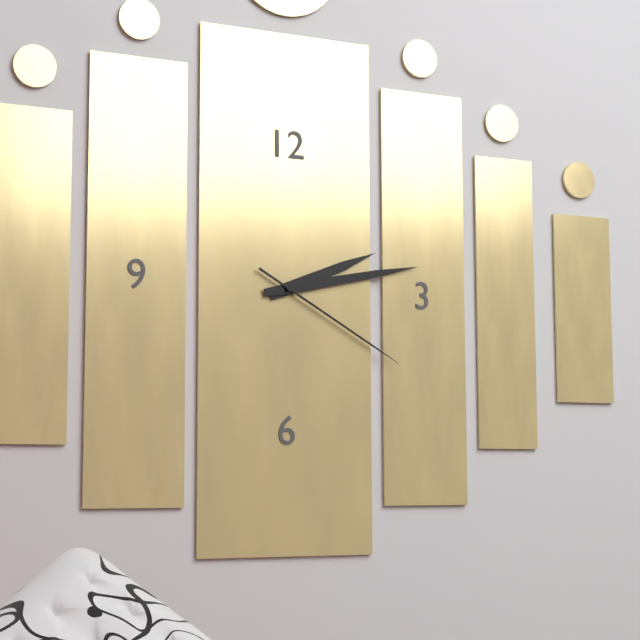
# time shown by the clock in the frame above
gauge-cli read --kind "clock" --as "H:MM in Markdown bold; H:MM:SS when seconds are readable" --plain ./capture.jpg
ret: **2:13:20**
